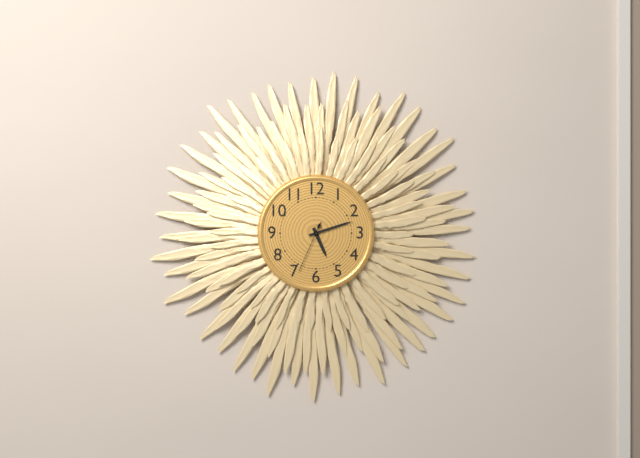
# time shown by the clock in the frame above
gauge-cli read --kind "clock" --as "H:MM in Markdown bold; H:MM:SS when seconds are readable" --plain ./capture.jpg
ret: **5:12:34**
